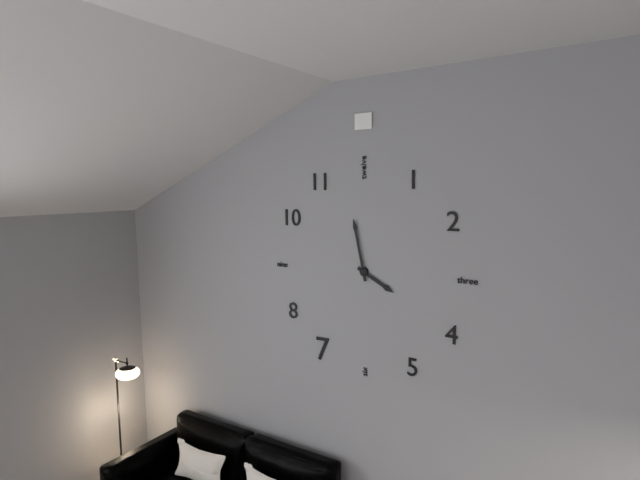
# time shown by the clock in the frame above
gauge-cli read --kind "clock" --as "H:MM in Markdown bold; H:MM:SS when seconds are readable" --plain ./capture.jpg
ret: **3:58**
